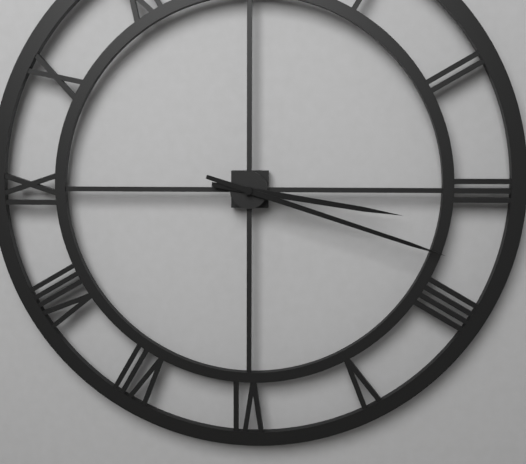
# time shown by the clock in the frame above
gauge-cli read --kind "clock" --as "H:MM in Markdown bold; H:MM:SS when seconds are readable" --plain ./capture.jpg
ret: **3:18**
